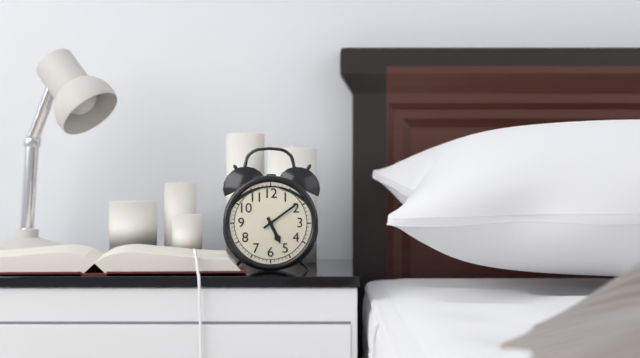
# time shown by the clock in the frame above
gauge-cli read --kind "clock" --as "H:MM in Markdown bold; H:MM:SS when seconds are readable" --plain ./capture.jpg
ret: **5:09**
